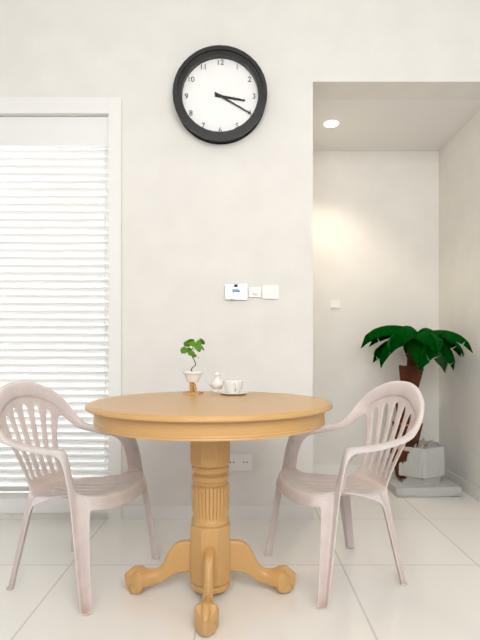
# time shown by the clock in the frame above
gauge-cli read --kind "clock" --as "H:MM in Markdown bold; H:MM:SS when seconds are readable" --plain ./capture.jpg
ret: **3:20**
